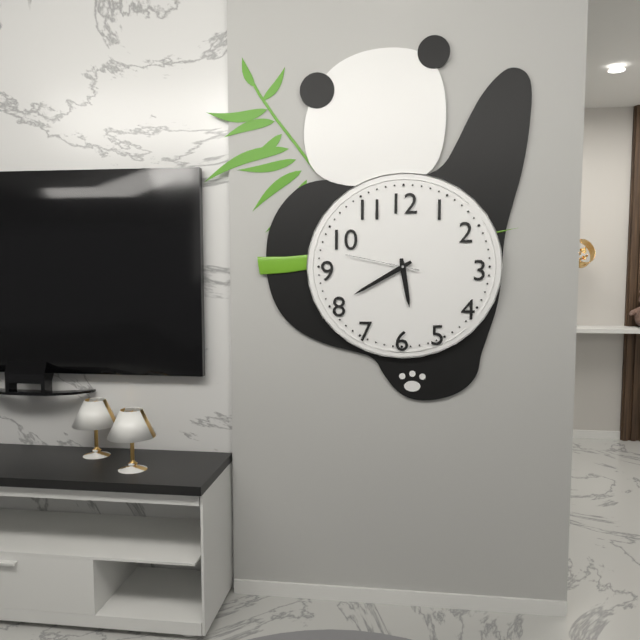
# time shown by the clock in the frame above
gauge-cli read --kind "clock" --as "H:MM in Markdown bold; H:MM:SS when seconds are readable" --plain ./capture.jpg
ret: **5:40:47**
